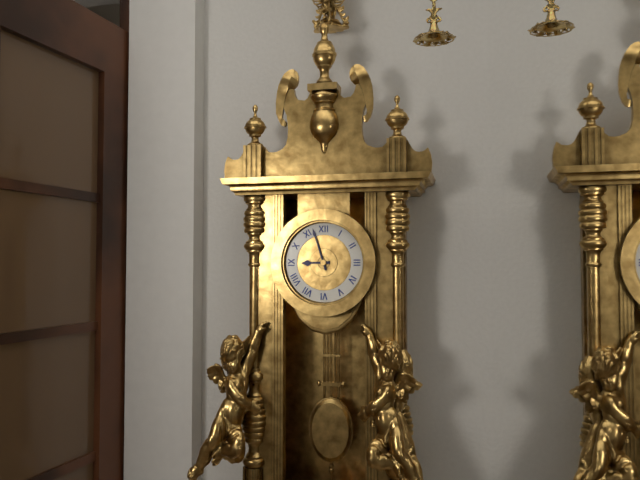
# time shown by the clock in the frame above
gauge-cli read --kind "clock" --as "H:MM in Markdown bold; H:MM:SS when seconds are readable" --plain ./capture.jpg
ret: **8:57**
